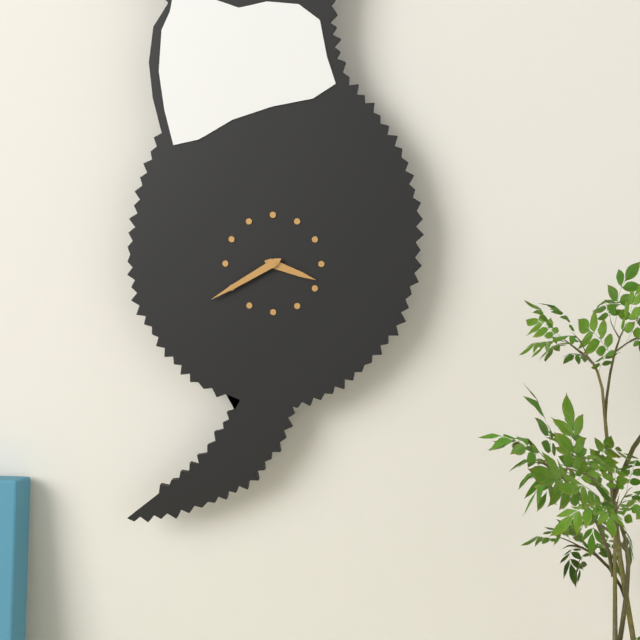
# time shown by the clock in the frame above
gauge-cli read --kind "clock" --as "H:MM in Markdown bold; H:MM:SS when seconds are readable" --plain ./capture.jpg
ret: **3:40**
